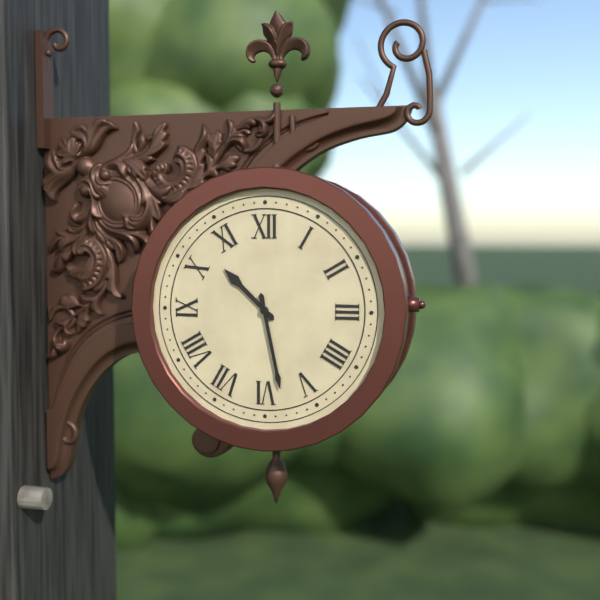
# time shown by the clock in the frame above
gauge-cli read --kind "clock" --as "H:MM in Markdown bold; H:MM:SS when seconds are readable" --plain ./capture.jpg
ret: **10:28**
